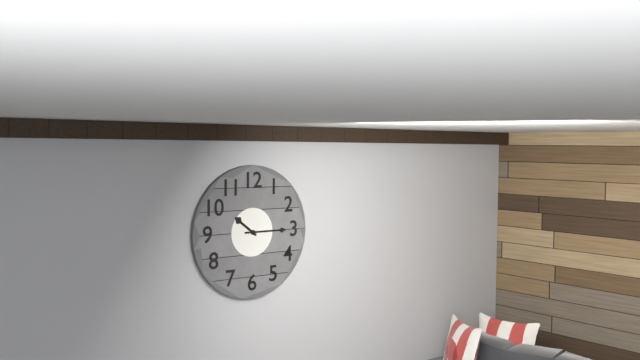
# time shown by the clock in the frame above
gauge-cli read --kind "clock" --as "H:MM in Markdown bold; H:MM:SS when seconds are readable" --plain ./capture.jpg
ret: **10:15**
